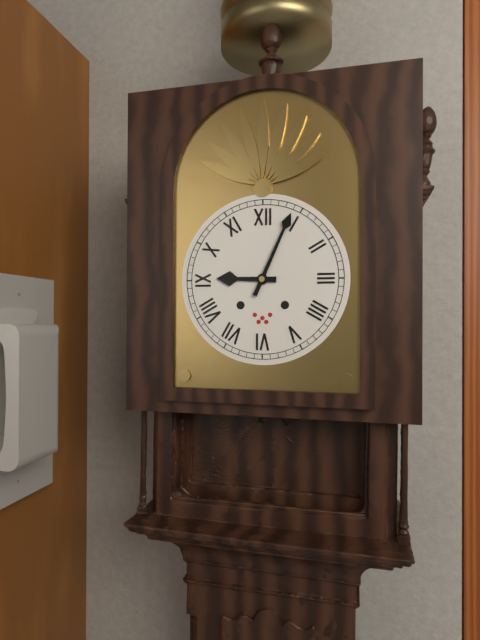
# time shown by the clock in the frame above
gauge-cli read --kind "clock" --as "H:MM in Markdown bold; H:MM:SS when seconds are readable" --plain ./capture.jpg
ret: **9:04**
